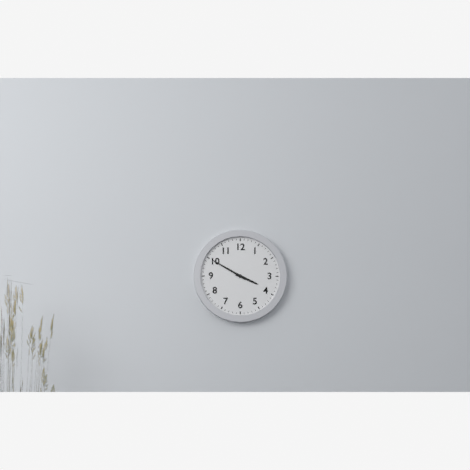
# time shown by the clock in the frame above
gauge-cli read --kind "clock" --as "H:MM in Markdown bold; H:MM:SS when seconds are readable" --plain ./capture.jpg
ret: **3:50**
